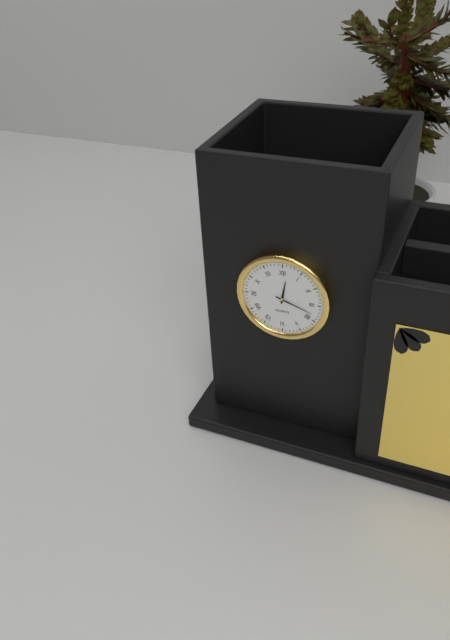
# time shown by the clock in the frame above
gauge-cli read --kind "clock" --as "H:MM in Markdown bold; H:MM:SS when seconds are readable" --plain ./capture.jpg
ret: **12:18**
